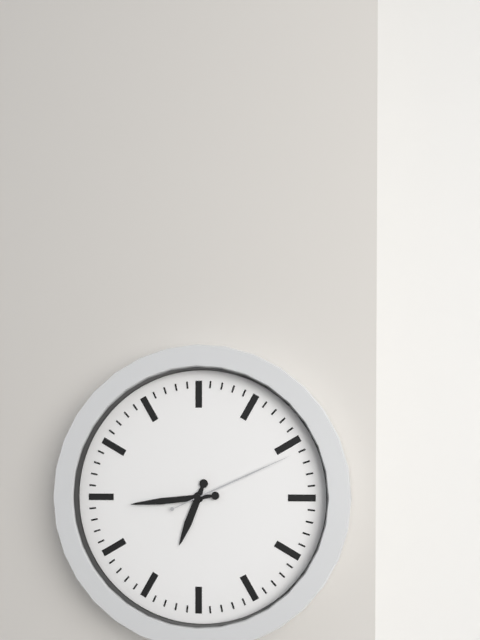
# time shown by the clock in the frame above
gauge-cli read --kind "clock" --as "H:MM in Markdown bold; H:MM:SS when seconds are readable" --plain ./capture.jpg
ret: **6:44:11**
